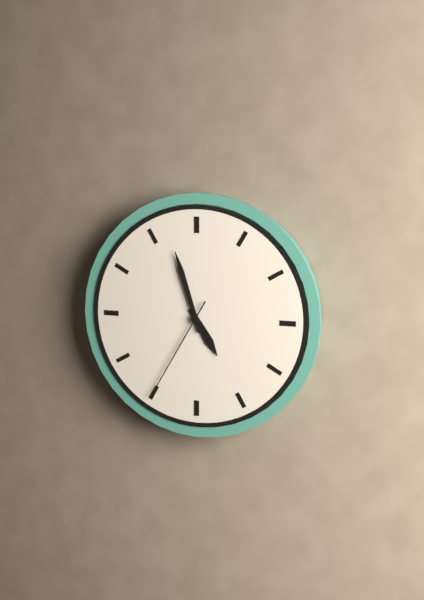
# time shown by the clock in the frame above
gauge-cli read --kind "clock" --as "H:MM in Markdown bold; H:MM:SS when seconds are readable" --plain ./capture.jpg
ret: **4:57:35**
